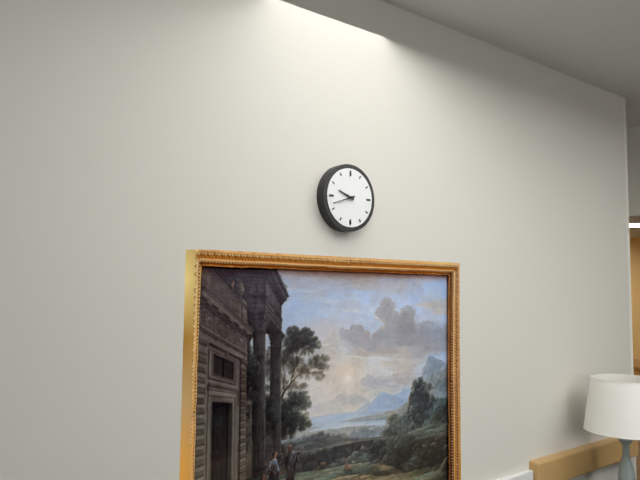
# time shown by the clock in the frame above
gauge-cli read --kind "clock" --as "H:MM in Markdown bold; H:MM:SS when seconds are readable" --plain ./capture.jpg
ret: **9:42**
